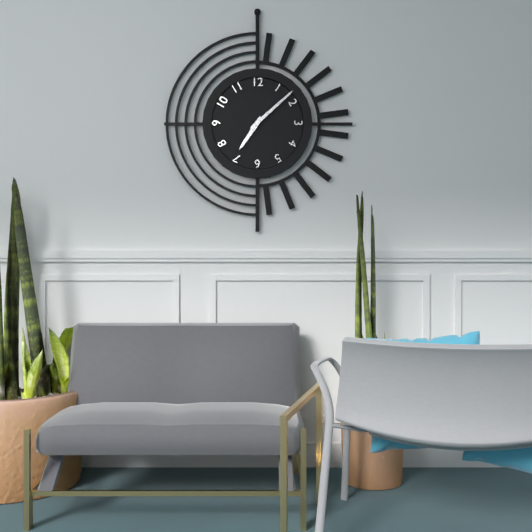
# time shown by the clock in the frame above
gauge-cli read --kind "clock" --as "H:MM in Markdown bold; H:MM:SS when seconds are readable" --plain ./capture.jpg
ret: **7:08**
